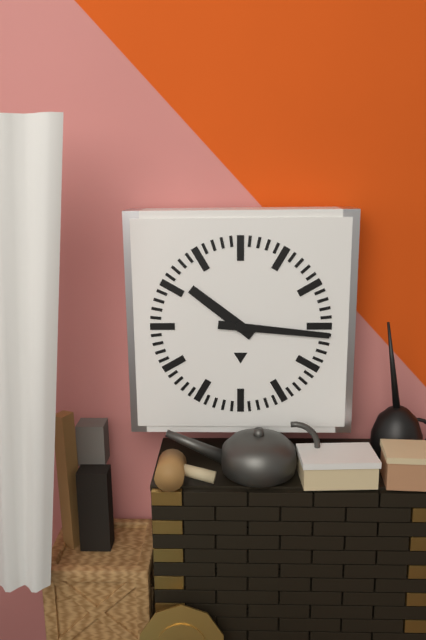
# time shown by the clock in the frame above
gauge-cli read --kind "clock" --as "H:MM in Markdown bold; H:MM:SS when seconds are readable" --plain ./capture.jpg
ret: **10:16**
